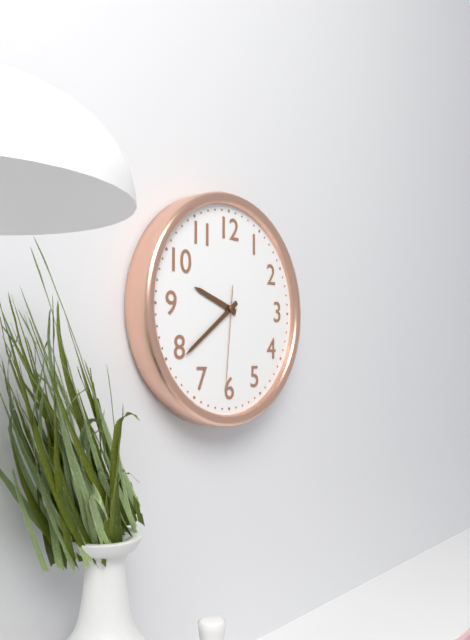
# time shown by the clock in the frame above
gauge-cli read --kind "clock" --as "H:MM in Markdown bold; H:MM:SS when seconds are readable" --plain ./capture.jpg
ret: **9:39:31**
